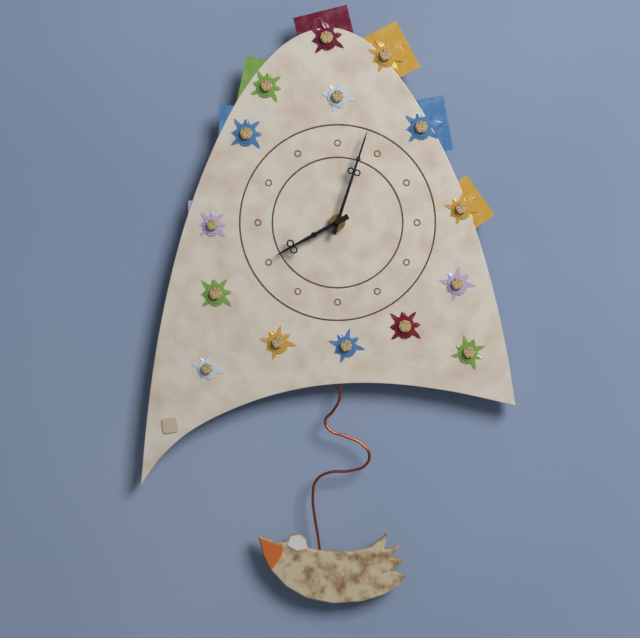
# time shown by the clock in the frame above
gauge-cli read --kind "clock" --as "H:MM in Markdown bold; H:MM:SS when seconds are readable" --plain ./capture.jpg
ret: **8:03**
